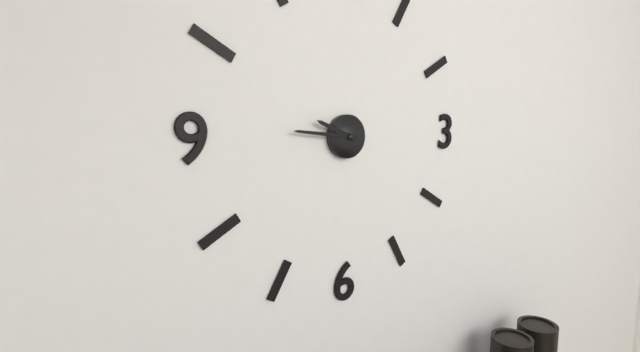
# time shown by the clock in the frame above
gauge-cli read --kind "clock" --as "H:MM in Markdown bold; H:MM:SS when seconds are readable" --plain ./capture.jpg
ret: **9:46**
